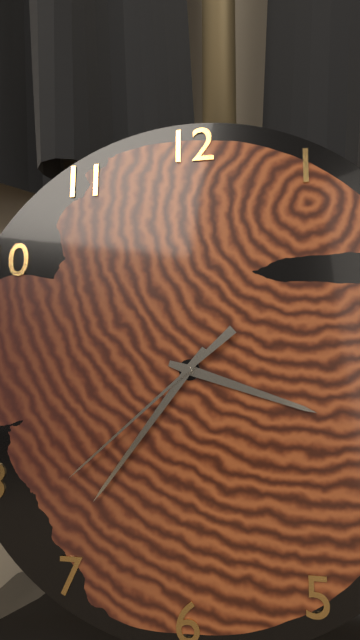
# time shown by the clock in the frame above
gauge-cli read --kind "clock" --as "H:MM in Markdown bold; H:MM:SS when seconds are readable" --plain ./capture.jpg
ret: **3:36:38**
